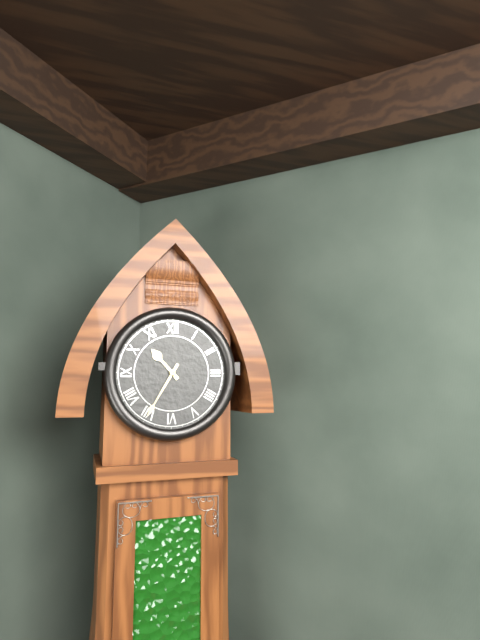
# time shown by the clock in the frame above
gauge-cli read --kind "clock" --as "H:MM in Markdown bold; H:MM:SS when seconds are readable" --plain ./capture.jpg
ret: **10:35**
